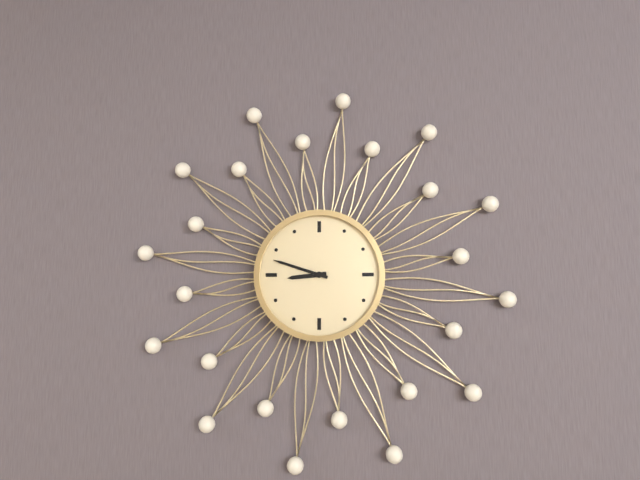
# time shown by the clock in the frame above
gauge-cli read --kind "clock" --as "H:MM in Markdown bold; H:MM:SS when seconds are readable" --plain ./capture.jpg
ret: **8:48**
